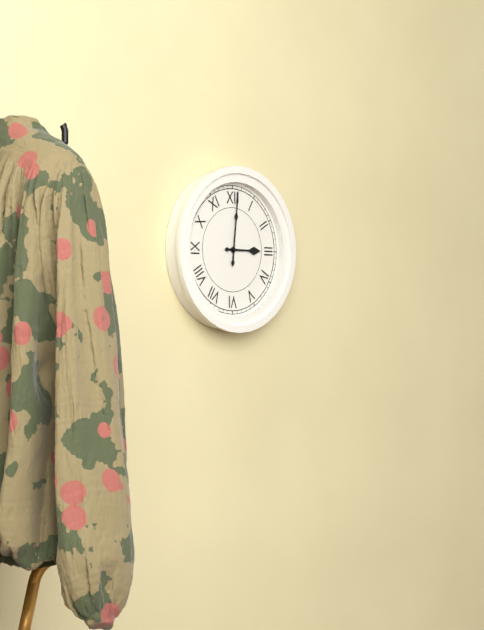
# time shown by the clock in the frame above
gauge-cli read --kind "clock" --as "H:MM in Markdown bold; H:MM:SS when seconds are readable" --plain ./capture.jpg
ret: **3:01**
